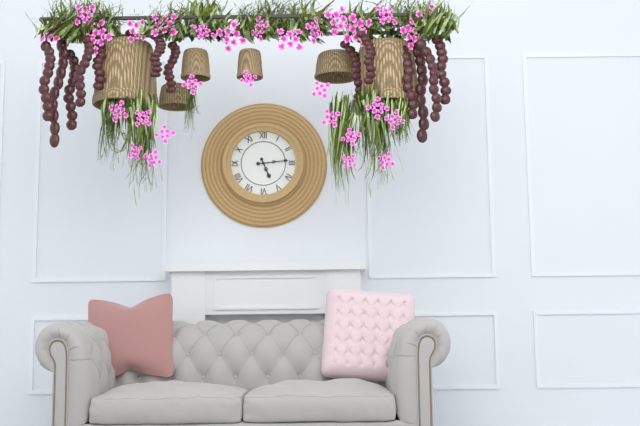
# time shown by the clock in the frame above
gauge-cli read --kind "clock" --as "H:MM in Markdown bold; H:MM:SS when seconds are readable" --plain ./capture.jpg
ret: **5:14**
